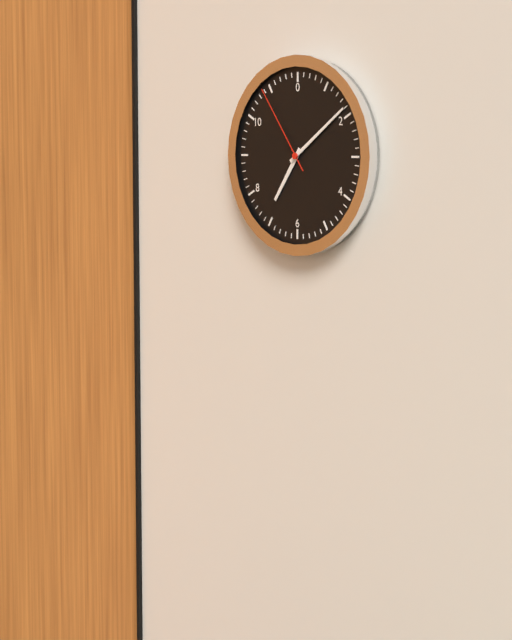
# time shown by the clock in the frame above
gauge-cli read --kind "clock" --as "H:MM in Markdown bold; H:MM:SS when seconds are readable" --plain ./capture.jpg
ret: **7:09:54**
